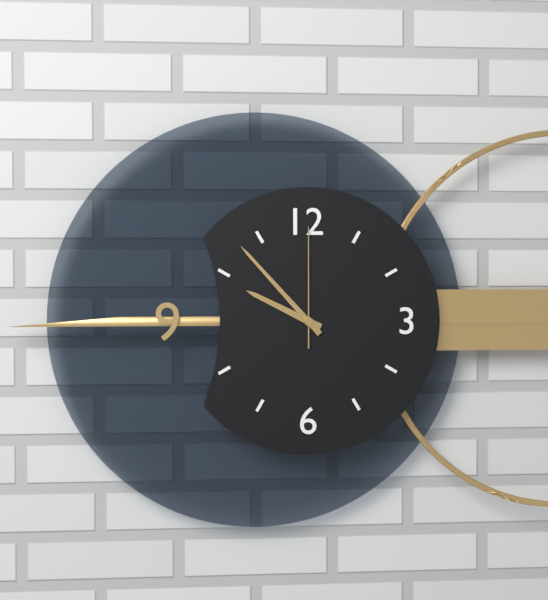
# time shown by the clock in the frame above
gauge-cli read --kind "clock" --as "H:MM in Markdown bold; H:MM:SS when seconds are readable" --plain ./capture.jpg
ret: **9:53:00**
